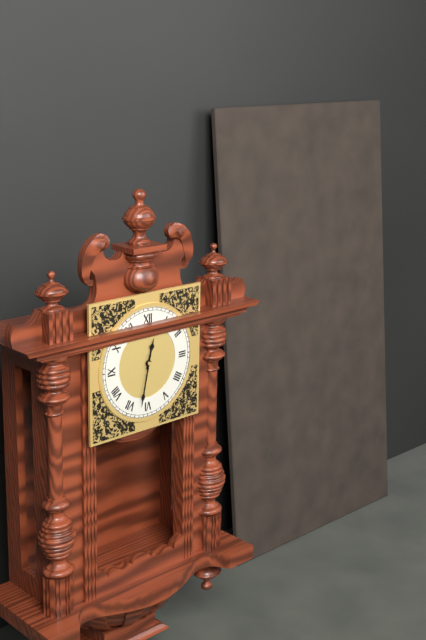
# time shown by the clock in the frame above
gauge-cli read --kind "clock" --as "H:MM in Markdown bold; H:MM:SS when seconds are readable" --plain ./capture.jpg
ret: **12:32**
